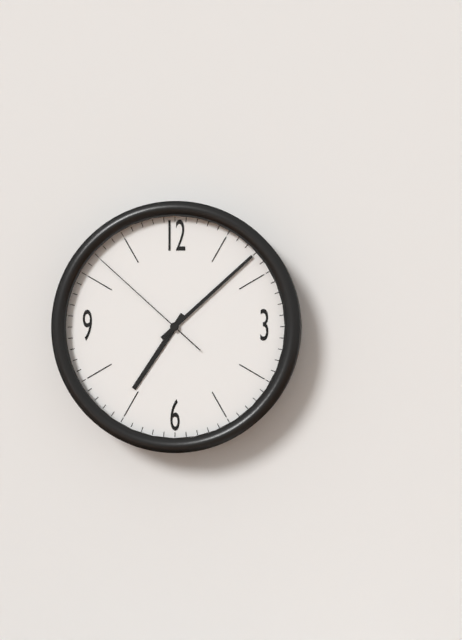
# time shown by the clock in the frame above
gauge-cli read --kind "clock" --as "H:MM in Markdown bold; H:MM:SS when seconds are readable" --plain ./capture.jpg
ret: **7:08:52**
